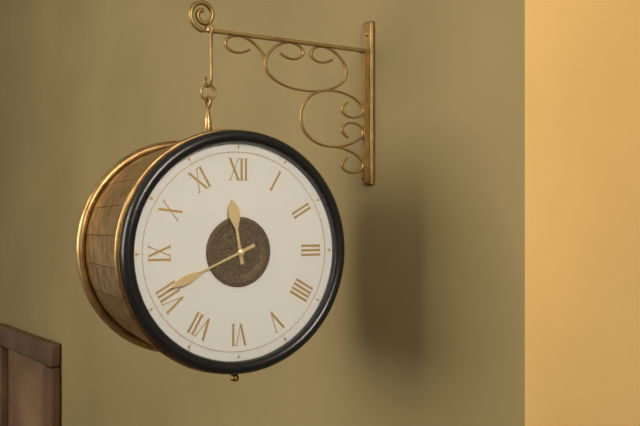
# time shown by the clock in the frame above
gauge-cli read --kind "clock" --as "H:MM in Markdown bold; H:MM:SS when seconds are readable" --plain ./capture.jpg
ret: **11:41**
